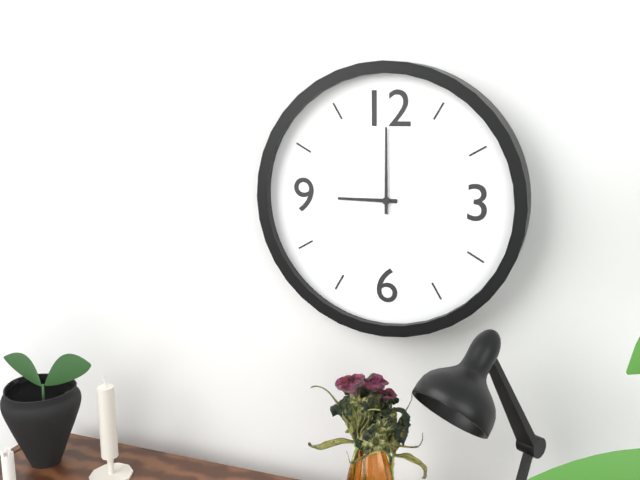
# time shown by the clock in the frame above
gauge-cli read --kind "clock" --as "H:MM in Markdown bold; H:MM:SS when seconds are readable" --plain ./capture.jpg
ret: **9:00**
